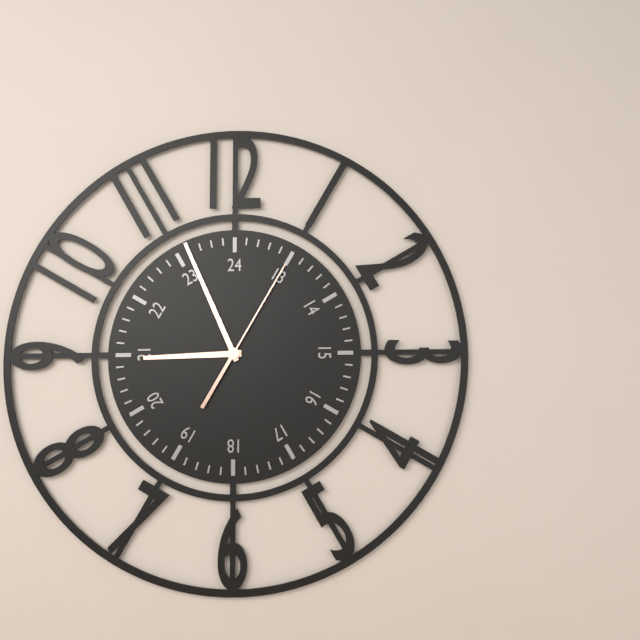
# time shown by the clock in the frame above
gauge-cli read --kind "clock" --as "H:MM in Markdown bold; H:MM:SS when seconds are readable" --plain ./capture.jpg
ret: **8:56:05**
